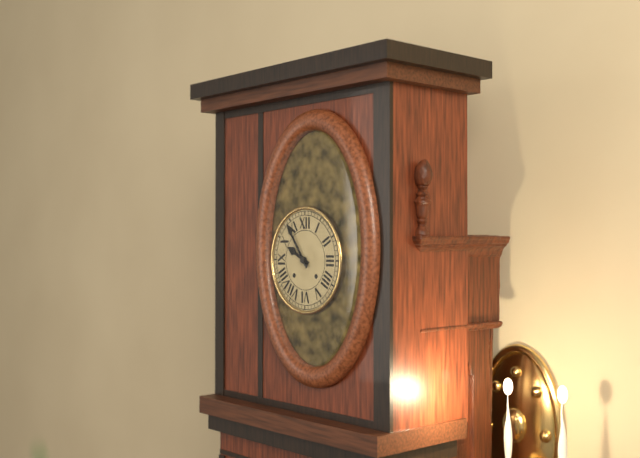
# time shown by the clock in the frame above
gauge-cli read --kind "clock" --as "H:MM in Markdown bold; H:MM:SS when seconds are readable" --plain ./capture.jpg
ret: **9:54**
